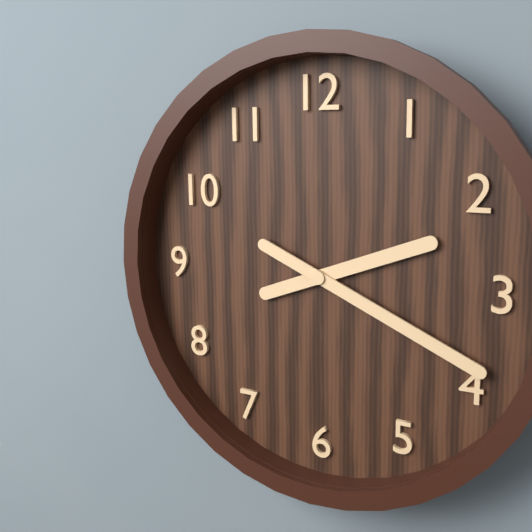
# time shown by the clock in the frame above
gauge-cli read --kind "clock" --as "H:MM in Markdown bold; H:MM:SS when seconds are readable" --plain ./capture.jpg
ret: **2:19**
